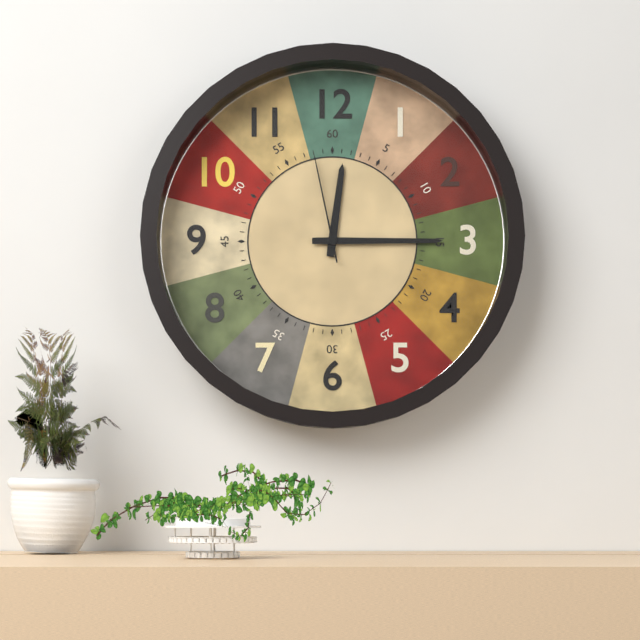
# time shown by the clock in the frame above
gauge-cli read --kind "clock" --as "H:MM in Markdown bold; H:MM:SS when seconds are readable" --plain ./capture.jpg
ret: **12:15:58**
